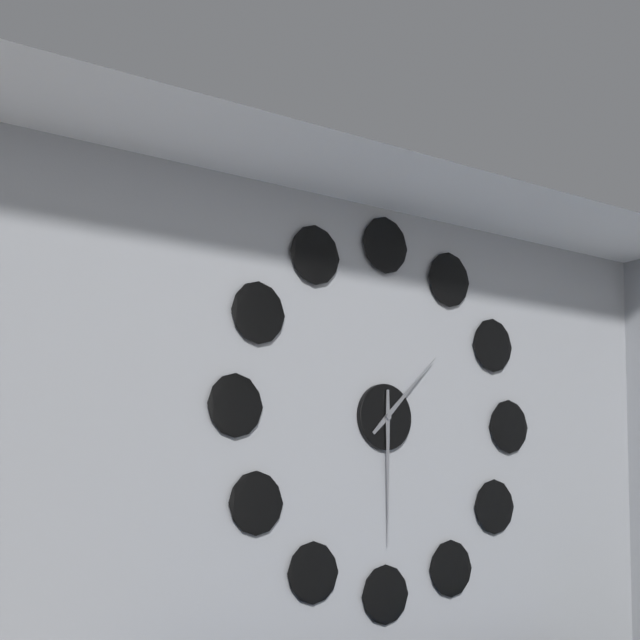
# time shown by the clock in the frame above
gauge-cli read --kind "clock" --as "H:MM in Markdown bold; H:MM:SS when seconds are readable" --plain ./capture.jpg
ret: **1:30**
